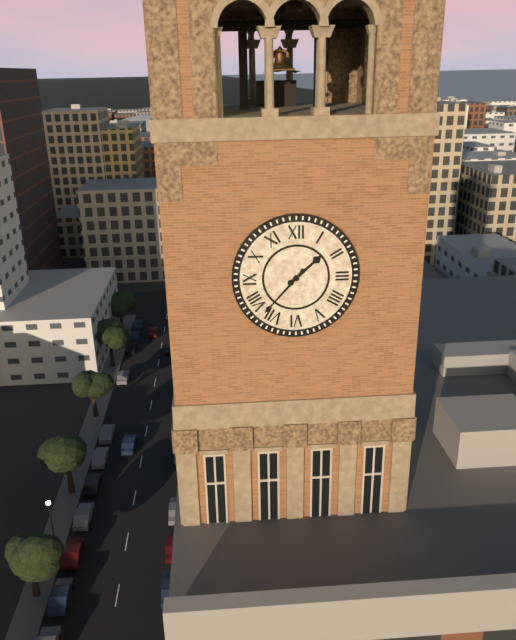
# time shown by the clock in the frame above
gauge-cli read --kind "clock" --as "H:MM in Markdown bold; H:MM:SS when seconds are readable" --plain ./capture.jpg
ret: **1:37**
